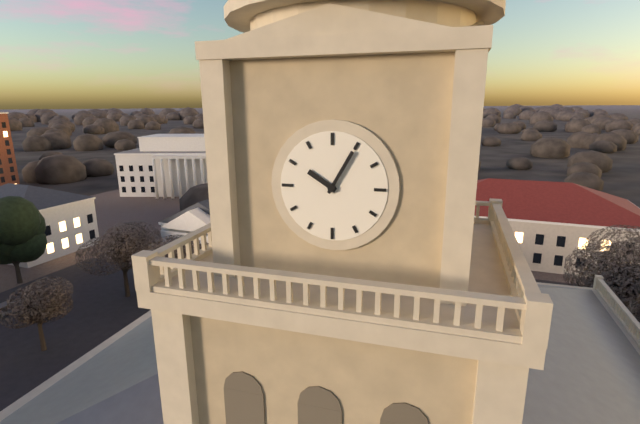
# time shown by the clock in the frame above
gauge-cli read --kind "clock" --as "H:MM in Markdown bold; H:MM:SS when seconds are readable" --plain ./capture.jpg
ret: **10:05**
